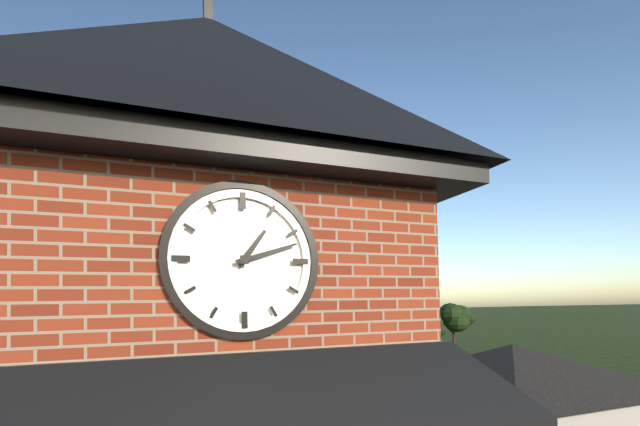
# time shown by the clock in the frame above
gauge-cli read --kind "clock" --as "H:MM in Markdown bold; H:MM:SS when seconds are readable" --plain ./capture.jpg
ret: **1:12**
